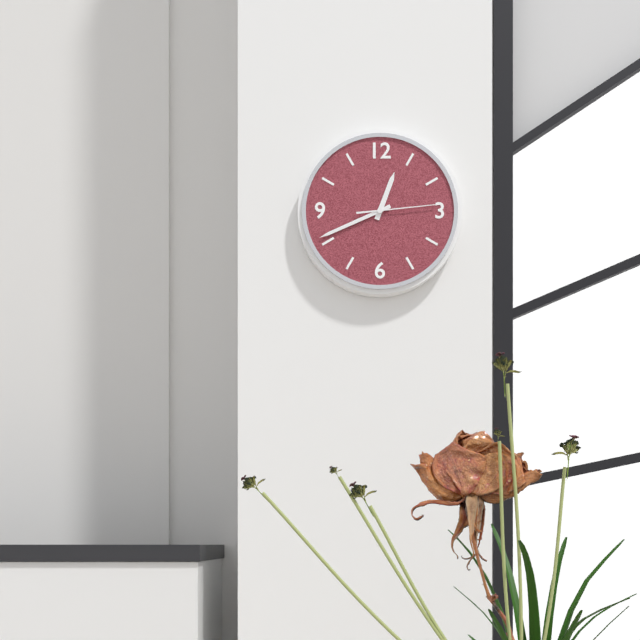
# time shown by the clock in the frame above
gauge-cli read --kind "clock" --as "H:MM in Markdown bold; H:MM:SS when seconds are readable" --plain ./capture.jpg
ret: **12:41:14**
